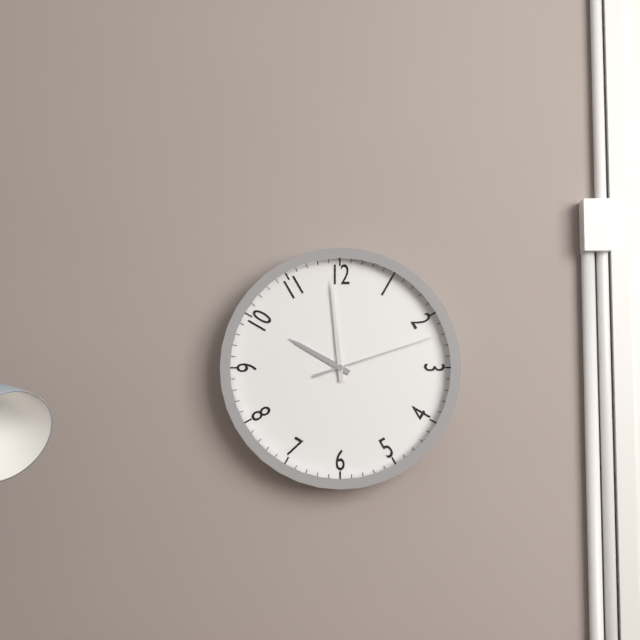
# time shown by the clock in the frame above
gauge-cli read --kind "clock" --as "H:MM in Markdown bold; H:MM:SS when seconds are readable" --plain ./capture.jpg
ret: **9:59:12**
